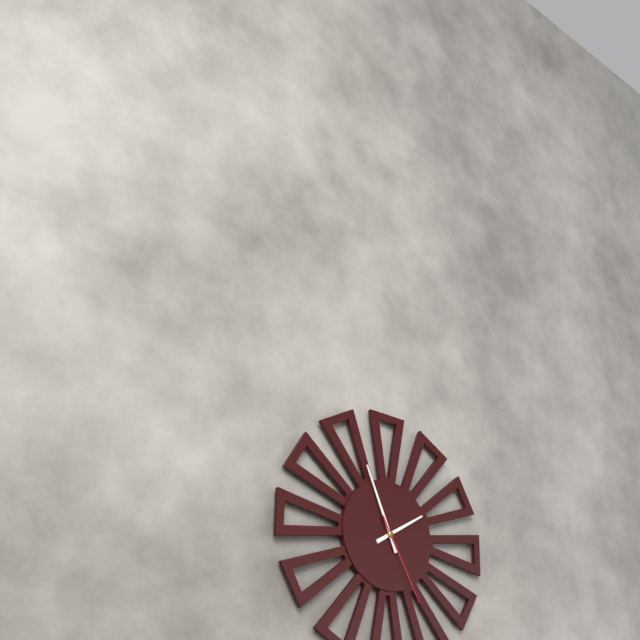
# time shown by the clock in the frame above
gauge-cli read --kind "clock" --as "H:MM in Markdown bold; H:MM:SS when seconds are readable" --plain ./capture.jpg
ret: **1:56:25**
